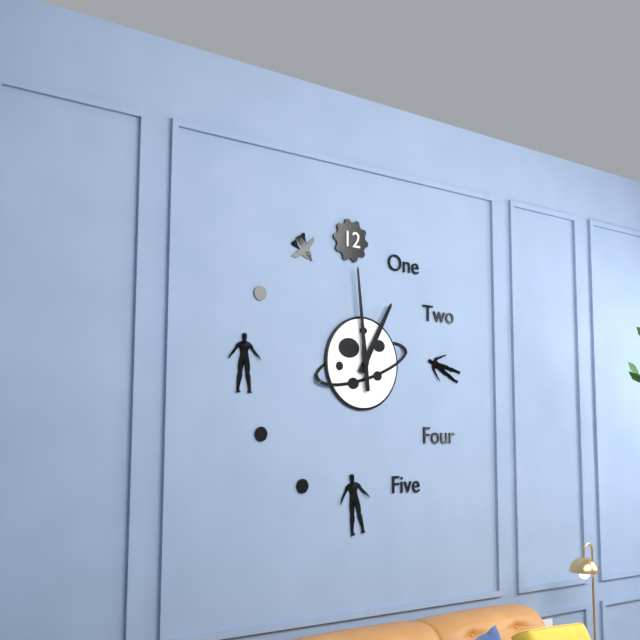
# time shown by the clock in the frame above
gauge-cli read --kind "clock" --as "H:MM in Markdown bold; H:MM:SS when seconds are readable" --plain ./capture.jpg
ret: **12:59**
